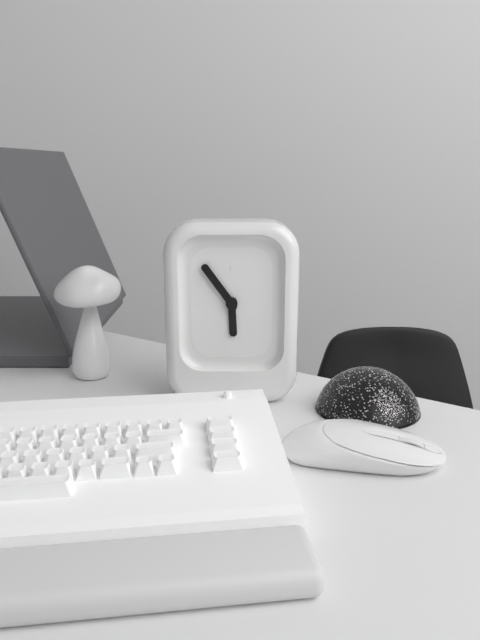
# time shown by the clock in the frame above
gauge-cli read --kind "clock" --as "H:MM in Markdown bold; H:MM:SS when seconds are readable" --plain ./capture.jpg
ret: **5:54**
